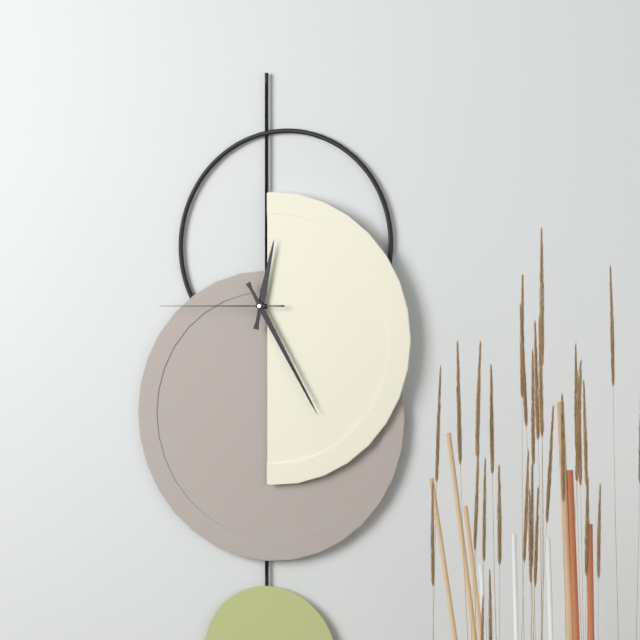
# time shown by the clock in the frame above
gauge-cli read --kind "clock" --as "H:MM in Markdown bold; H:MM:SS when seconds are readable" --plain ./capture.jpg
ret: **12:25:45**
